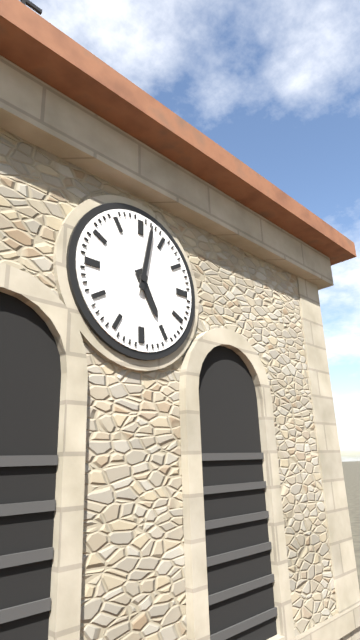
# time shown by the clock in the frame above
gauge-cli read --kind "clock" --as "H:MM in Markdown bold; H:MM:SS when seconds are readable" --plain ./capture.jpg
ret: **5:02**
